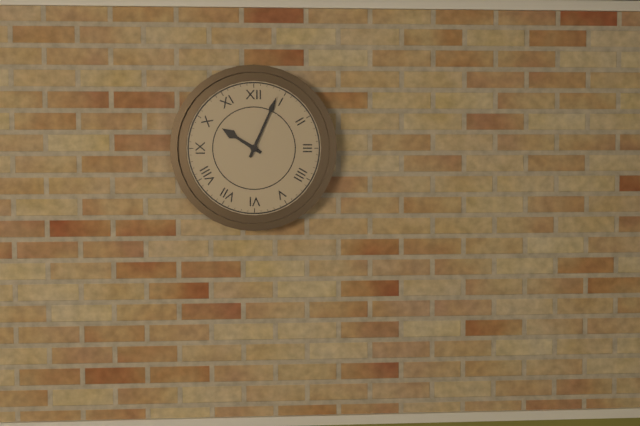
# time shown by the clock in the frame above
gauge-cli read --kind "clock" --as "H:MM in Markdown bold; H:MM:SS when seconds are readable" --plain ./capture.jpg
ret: **10:04**
